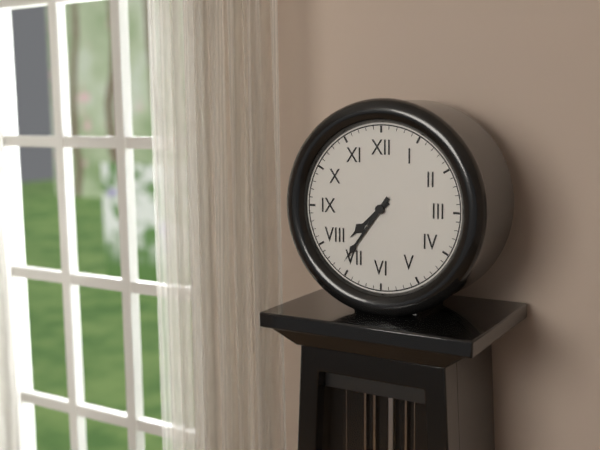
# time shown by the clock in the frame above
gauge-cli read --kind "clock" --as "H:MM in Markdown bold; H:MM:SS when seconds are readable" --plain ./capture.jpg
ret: **7:36**
